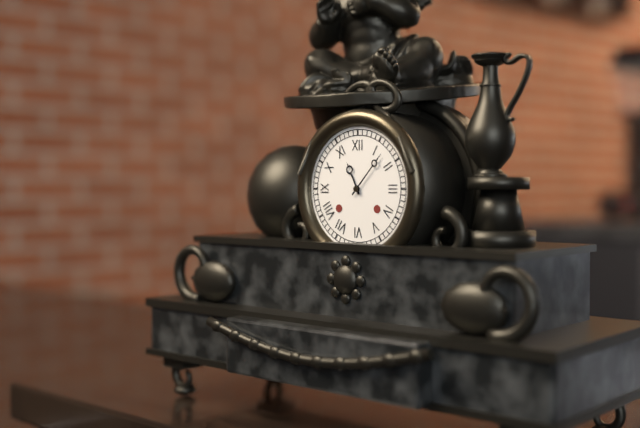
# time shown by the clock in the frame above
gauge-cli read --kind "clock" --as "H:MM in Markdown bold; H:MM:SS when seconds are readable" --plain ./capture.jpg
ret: **11:07**
